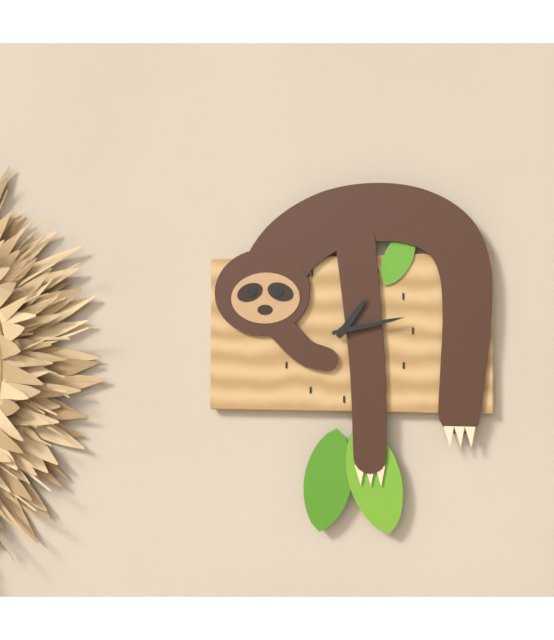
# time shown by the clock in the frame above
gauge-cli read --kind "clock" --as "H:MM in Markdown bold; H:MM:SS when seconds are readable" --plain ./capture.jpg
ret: **1:13**
